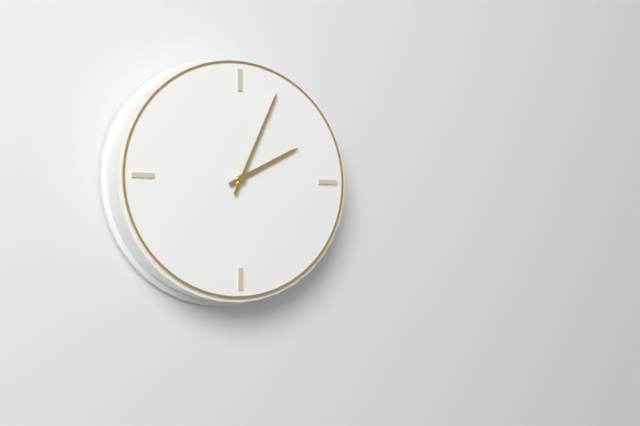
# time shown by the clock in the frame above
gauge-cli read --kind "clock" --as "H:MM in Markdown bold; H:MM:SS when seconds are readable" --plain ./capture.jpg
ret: **2:04**
